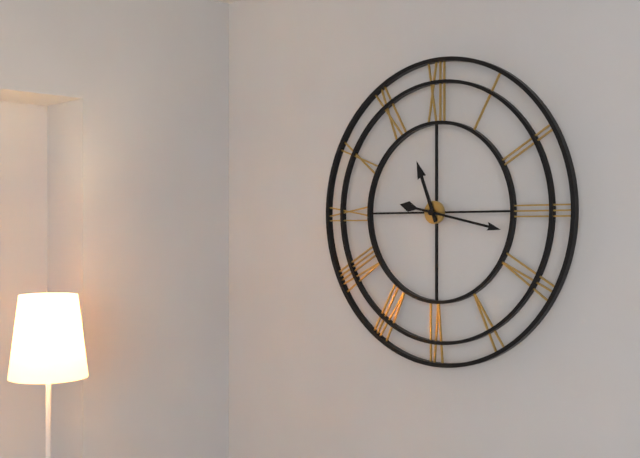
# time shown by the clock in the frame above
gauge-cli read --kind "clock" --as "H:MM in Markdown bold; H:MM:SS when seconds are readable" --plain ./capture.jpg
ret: **11:17**
